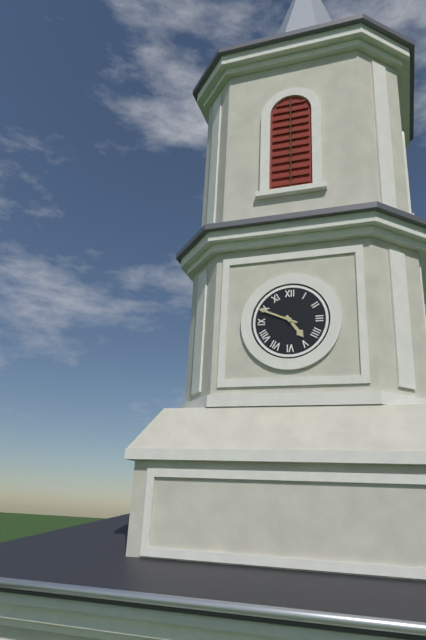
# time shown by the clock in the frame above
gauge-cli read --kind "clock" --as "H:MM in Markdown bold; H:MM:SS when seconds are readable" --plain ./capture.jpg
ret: **4:49**
